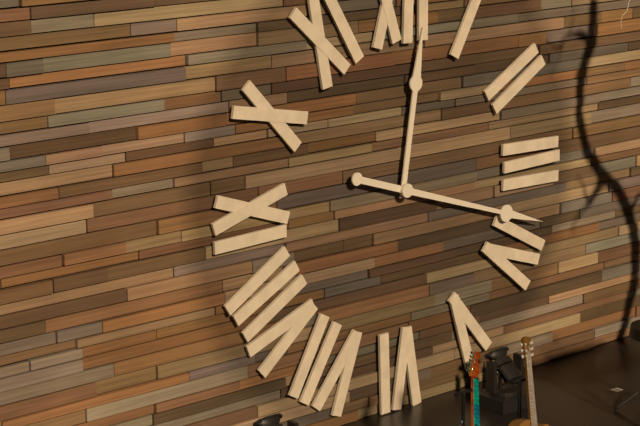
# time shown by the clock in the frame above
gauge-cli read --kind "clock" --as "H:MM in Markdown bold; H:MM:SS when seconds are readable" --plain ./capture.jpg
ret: **12:18**
